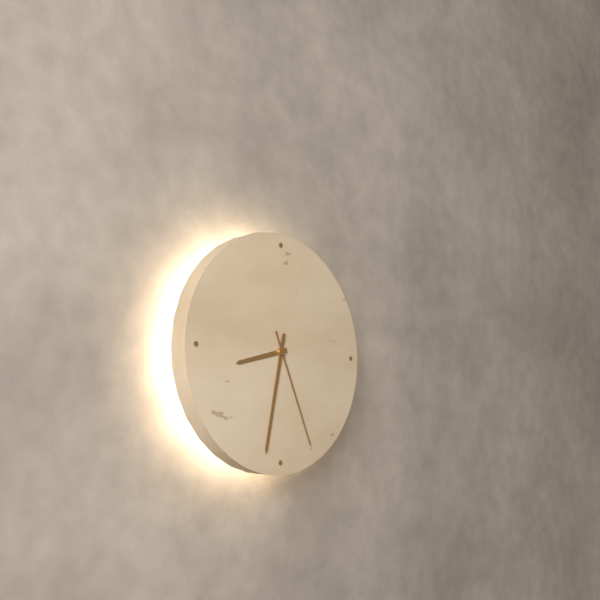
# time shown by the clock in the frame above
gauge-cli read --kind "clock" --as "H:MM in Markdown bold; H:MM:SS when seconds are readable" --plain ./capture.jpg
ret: **8:32:26**
